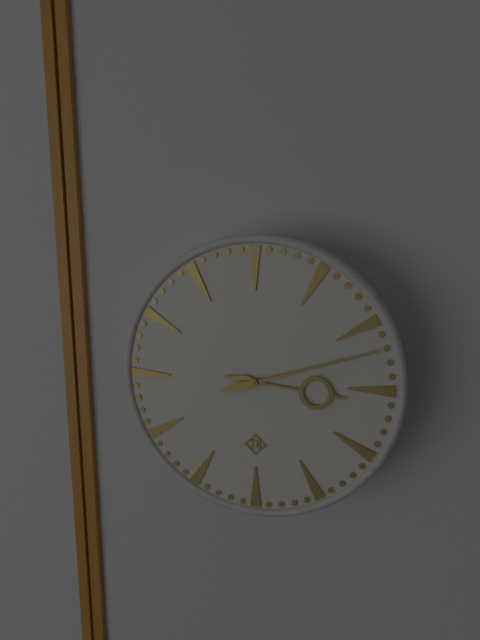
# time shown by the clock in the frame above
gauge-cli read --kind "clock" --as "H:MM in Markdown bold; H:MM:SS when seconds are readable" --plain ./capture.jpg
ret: **3:12**
